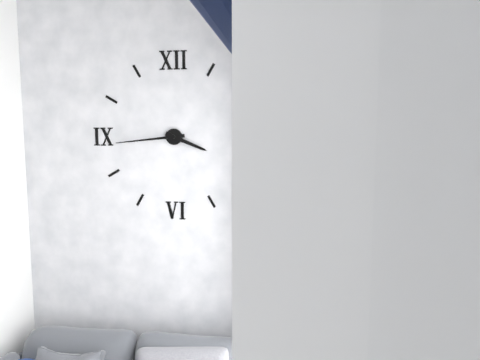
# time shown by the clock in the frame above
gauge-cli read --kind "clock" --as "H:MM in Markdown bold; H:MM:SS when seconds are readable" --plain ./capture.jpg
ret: **3:44**
